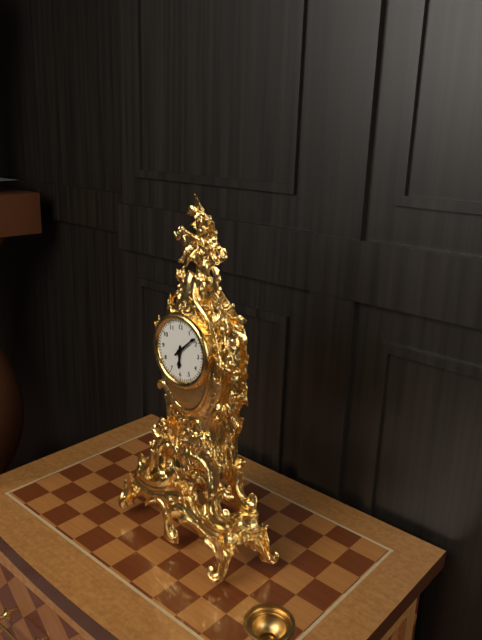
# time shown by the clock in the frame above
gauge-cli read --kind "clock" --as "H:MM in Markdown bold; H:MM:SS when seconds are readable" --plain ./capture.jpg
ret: **6:08**
